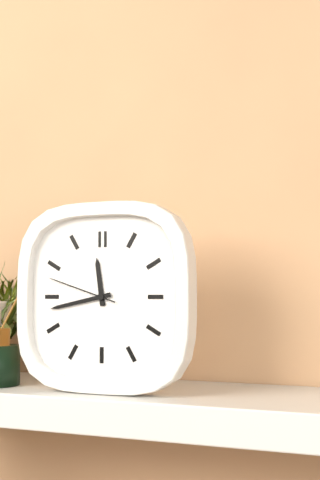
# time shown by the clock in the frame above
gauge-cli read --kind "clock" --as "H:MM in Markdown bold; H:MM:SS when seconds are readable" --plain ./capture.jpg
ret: **11:43:48**
